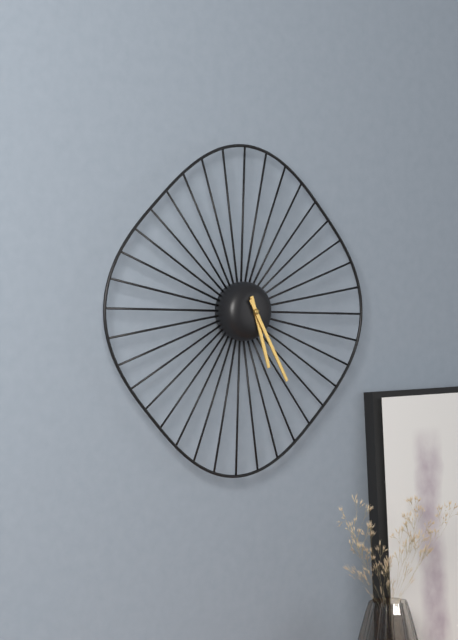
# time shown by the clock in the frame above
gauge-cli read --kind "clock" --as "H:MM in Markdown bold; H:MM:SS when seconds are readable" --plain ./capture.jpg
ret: **5:25**
